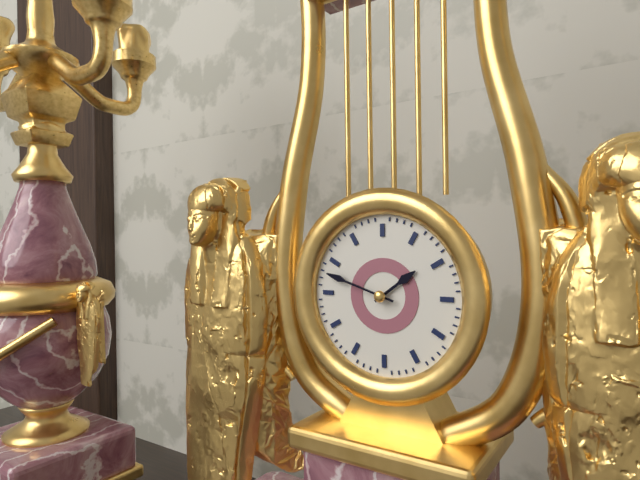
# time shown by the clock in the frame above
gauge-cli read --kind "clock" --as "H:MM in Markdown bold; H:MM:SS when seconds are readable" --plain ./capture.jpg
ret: **1:48**
